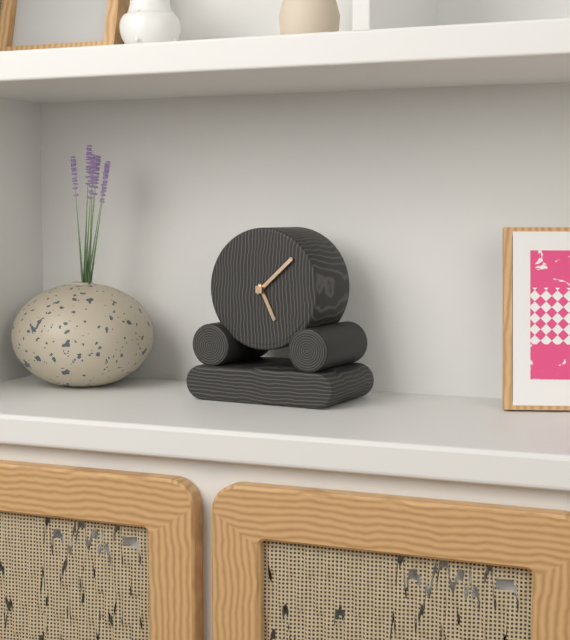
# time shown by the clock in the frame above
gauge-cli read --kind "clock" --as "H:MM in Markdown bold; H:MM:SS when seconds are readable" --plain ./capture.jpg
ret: **5:08**
